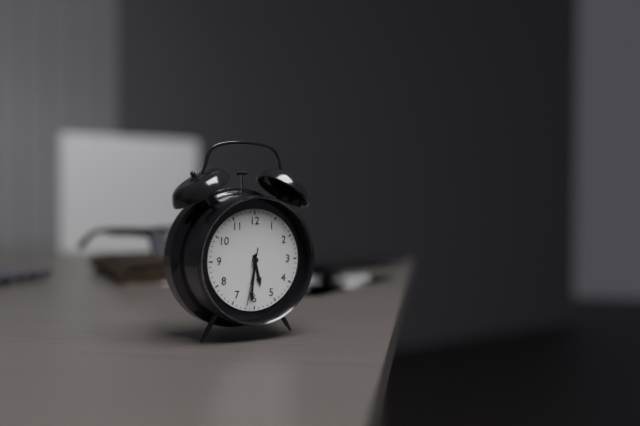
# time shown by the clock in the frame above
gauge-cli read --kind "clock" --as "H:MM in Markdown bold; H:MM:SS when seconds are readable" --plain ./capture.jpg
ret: **5:31:32**
